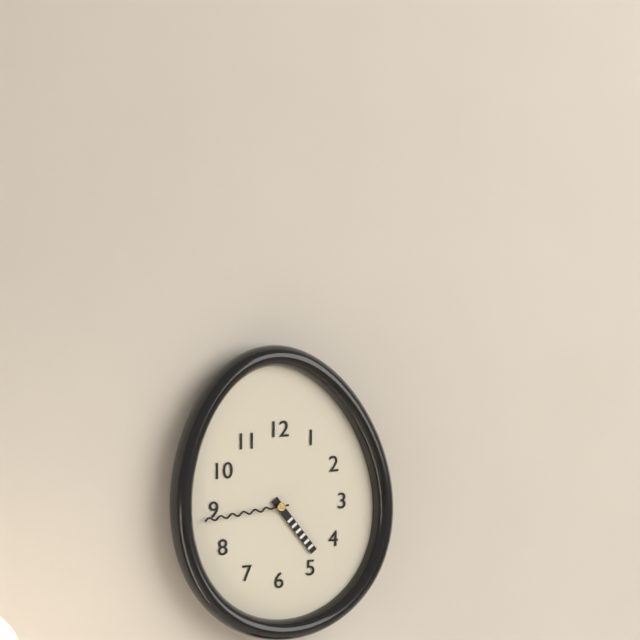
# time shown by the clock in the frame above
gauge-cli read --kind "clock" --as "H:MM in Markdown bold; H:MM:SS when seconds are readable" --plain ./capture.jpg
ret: **4:44**
